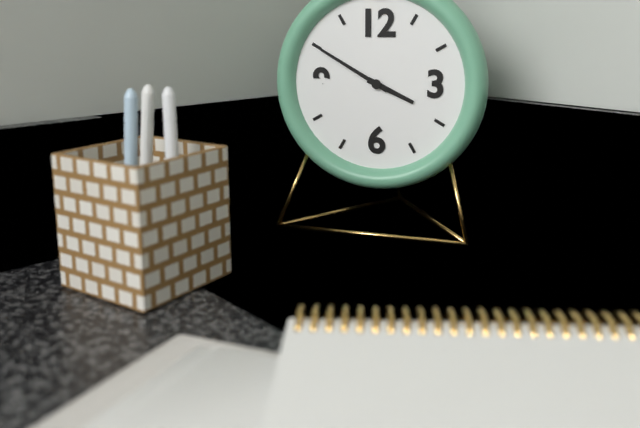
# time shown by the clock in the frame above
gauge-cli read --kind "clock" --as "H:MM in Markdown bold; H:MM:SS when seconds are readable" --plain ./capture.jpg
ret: **3:50**
